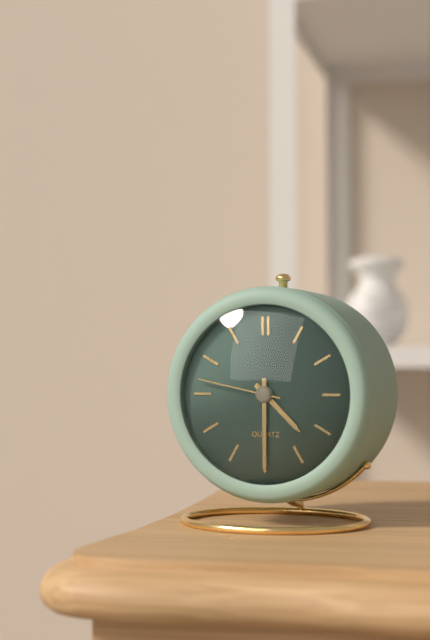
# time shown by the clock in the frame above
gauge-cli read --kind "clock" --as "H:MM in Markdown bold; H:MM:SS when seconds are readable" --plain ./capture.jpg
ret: **4:30:47**
